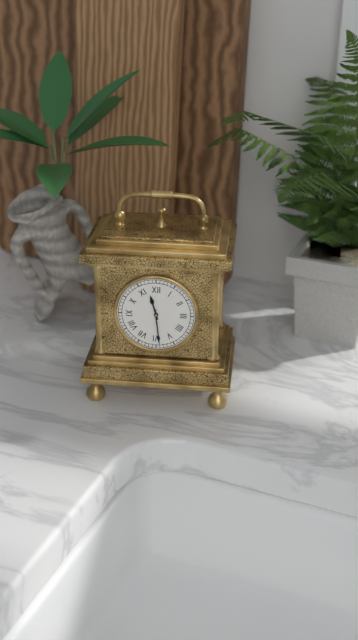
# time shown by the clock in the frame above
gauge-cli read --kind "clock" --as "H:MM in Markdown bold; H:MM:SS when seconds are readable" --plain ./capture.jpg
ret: **11:29**
